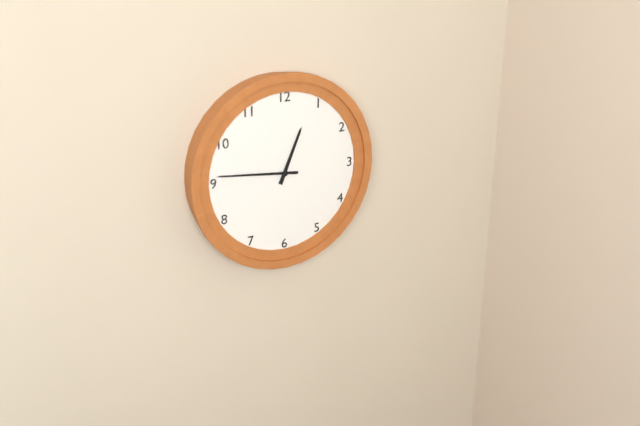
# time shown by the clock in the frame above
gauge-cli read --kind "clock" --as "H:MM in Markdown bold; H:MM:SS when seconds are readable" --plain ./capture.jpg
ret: **12:46**
